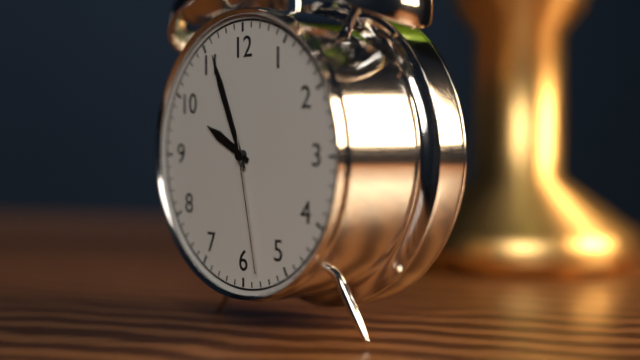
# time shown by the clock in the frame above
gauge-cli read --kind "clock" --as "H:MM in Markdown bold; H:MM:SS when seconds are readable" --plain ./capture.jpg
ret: **9:56:28**
